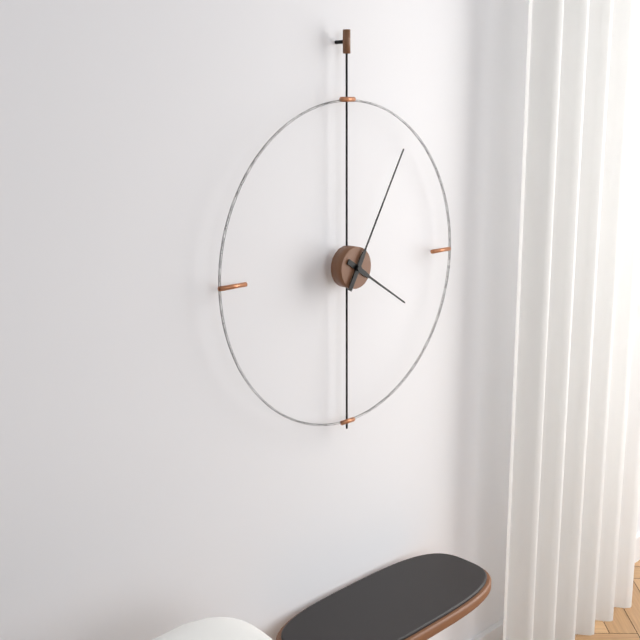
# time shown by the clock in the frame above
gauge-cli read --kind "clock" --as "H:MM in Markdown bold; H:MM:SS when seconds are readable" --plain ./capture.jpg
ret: **4:05**
